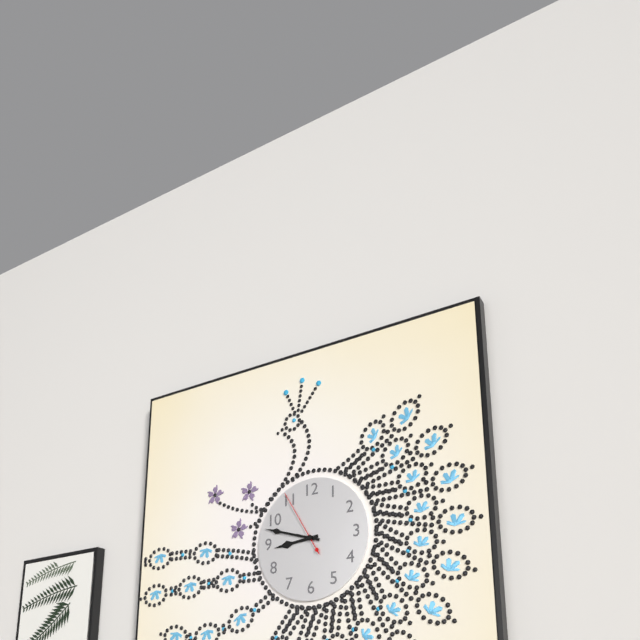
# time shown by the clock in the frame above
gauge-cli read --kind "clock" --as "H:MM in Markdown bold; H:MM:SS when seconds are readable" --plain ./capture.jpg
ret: **8:48:55**
